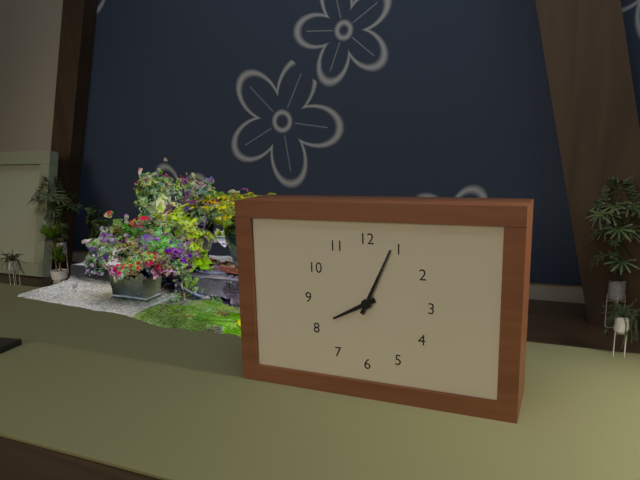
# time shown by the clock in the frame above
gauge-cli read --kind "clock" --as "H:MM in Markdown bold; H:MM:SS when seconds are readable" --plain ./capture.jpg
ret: **8:04**
